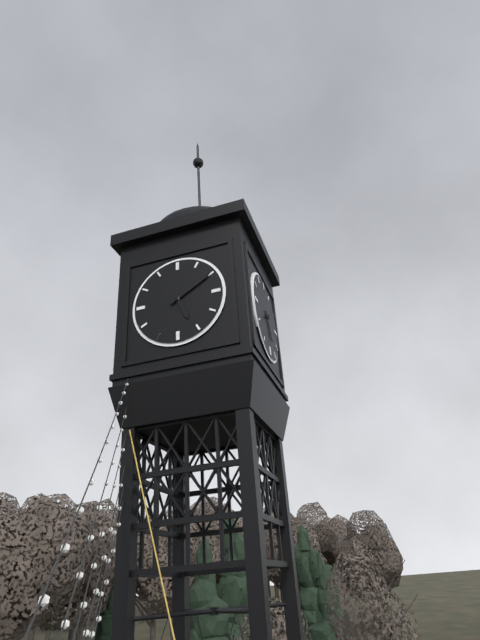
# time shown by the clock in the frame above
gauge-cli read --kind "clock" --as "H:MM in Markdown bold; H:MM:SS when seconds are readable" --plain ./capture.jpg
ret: **5:10**
